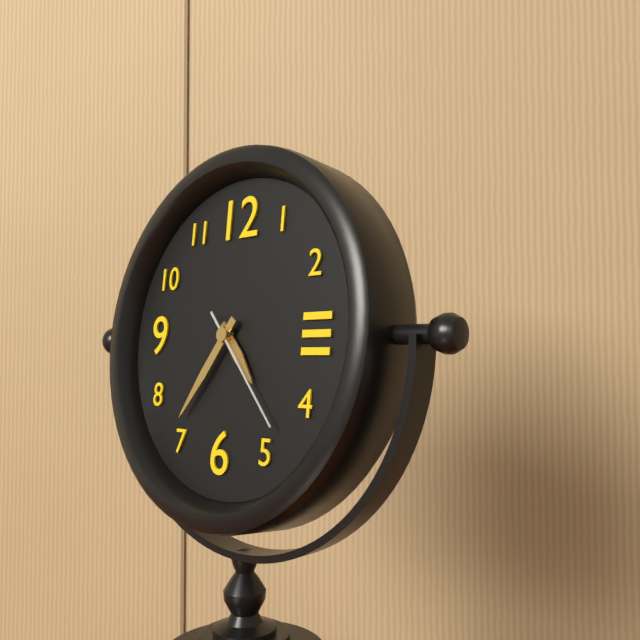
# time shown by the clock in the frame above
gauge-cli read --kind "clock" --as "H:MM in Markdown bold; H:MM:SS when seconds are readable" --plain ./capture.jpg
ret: **4:36:23**
